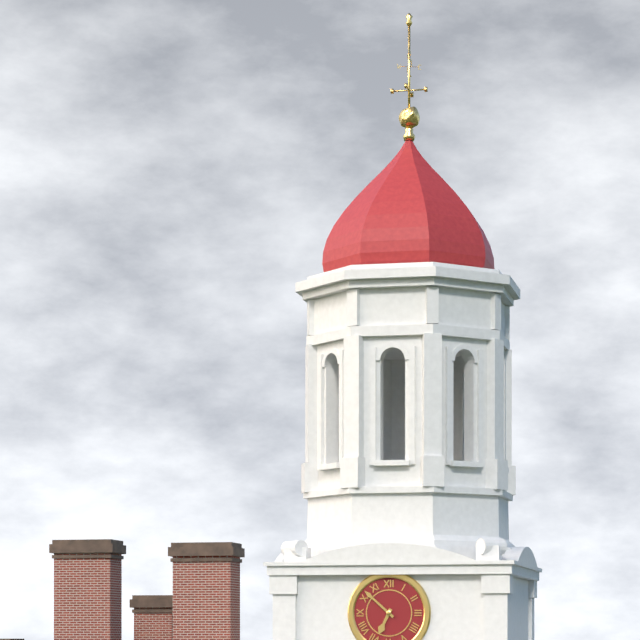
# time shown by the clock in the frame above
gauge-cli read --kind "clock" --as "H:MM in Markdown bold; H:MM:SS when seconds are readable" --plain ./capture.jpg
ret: **6:52**
